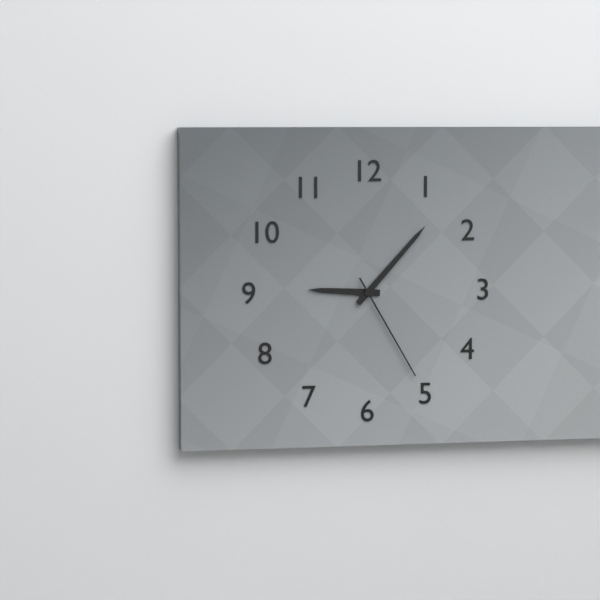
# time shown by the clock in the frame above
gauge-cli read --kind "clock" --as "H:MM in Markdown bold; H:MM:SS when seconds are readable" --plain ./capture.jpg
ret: **9:07:25**
